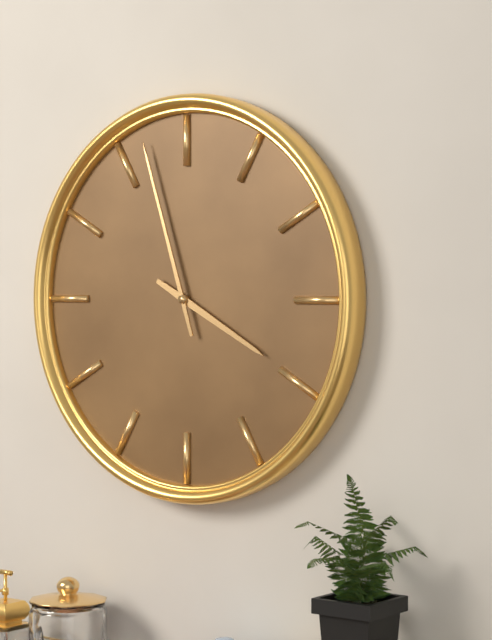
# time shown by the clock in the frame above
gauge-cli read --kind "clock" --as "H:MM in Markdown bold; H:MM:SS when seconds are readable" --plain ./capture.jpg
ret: **3:57**
